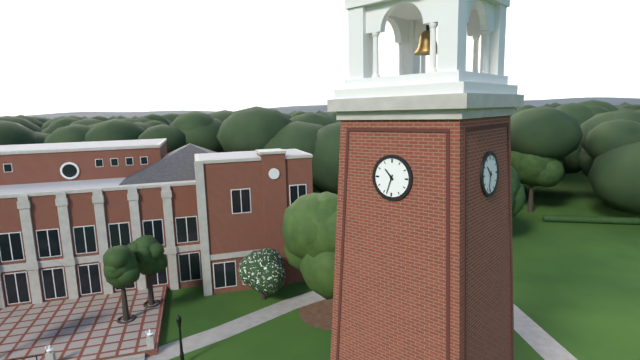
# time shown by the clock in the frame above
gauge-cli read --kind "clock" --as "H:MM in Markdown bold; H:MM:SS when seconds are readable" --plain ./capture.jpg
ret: **10:33**
